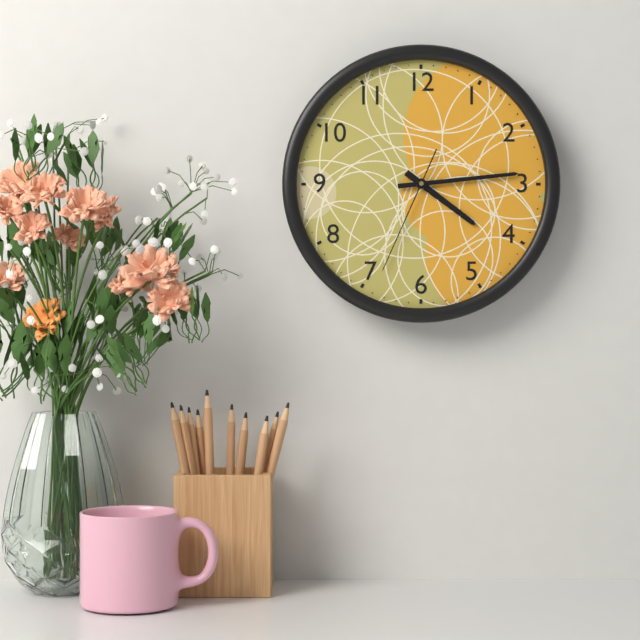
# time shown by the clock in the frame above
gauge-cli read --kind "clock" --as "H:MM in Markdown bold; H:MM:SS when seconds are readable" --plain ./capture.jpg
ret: **4:14:34**
